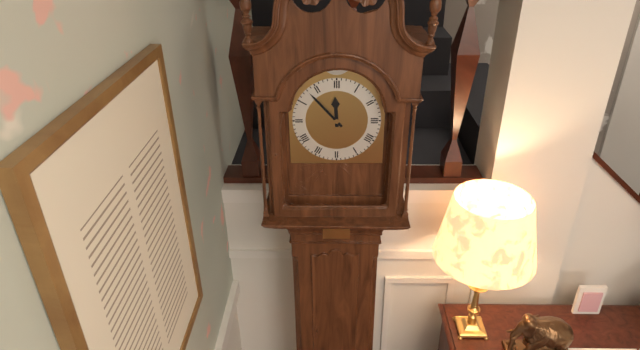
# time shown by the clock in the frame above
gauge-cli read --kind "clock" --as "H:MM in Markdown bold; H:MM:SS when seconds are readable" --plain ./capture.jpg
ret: **11:53**
